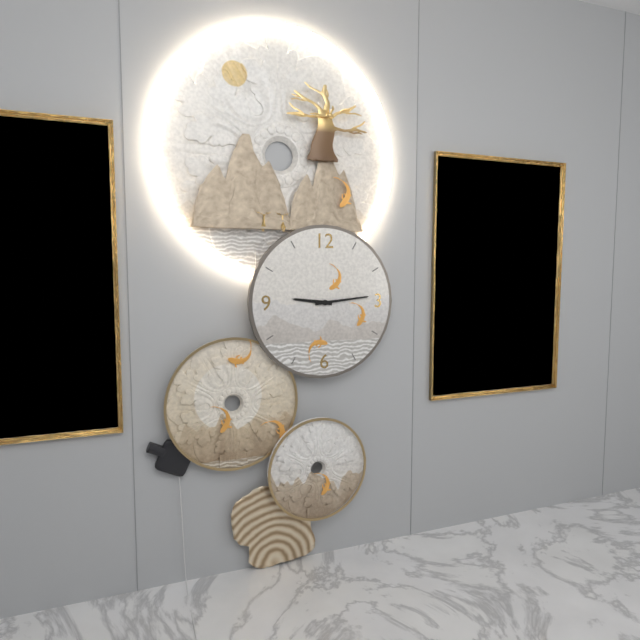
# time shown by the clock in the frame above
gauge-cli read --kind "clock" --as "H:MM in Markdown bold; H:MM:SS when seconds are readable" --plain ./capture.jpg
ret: **9:14**
